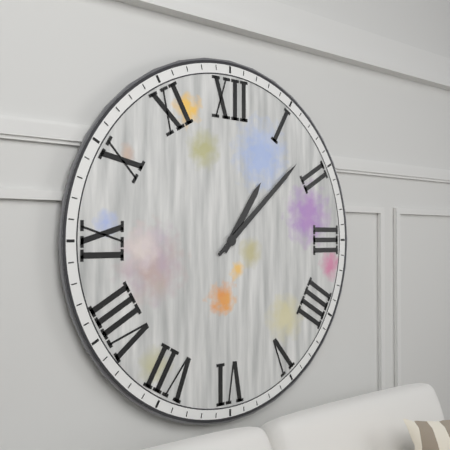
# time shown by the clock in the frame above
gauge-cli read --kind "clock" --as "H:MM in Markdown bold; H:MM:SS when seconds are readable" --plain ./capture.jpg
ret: **1:08**
